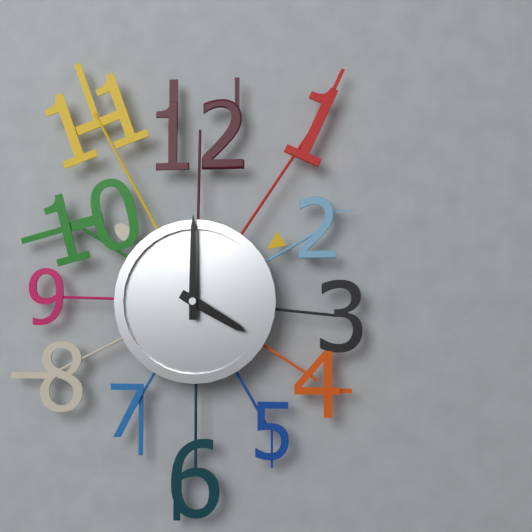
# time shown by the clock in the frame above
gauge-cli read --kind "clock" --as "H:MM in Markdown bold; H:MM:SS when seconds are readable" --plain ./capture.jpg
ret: **4:00**
